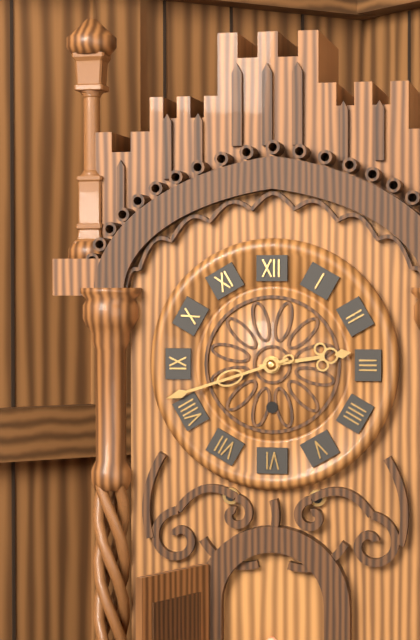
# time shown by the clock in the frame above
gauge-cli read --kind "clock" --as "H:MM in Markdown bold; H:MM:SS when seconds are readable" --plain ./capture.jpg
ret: **2:42**
